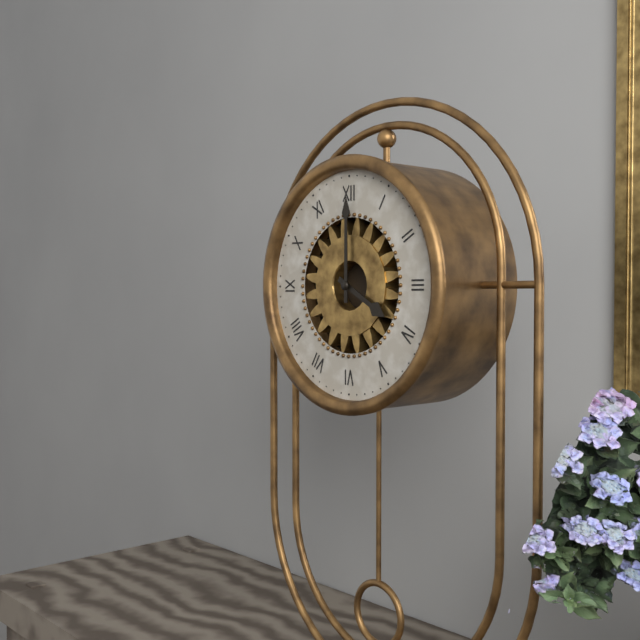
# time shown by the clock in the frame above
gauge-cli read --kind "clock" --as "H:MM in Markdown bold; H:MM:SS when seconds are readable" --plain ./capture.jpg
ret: **4:00**
